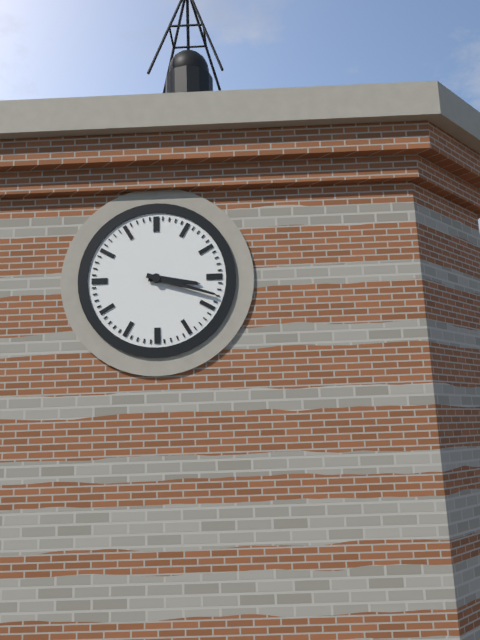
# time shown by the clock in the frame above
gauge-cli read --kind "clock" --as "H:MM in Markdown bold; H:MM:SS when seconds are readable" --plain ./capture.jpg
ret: **3:18**
